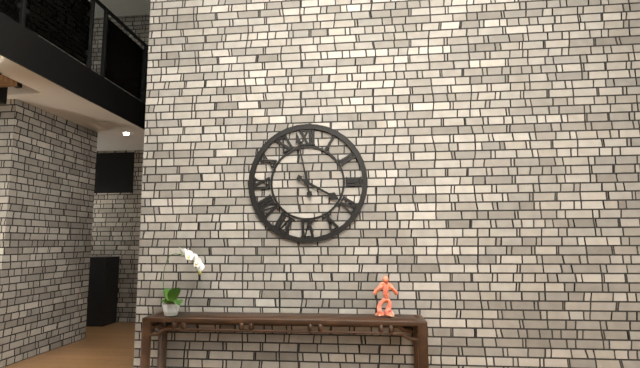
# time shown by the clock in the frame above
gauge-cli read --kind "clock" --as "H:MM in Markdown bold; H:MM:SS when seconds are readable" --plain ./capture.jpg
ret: **3:58**
